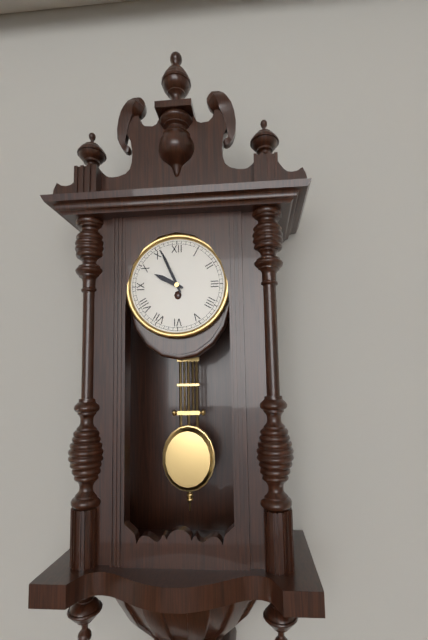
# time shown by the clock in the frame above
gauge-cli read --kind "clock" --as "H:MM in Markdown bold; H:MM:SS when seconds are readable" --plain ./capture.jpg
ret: **9:56**
